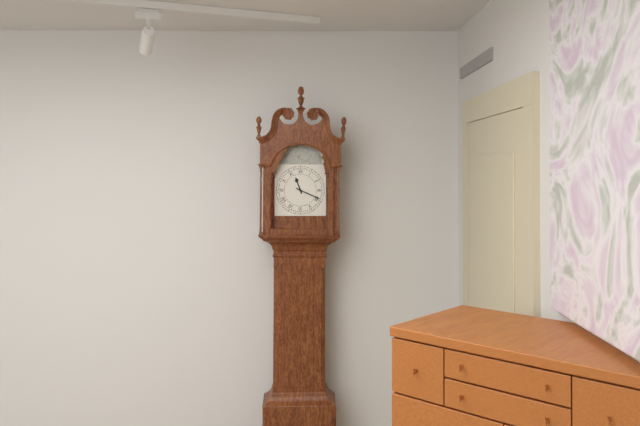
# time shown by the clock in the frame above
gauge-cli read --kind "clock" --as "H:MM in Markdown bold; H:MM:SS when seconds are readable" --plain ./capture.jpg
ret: **11:19**
